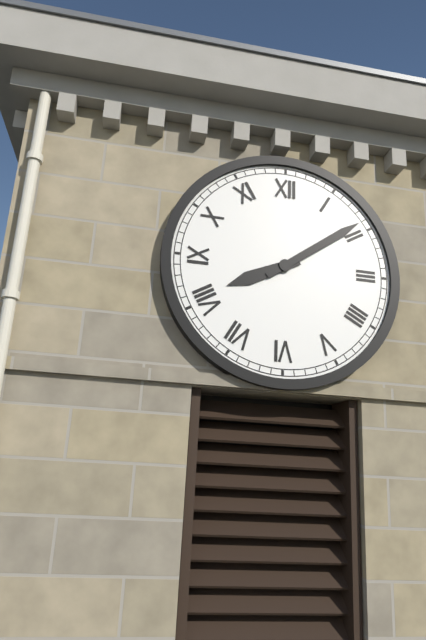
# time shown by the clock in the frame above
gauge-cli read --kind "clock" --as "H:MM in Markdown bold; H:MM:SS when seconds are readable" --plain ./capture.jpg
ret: **8:09**
